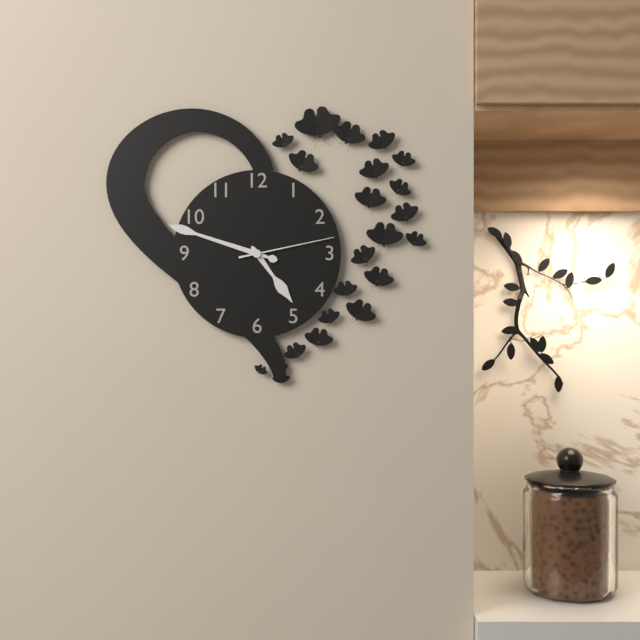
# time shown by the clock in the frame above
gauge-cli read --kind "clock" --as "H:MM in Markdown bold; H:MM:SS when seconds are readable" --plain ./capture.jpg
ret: **4:48:13**
